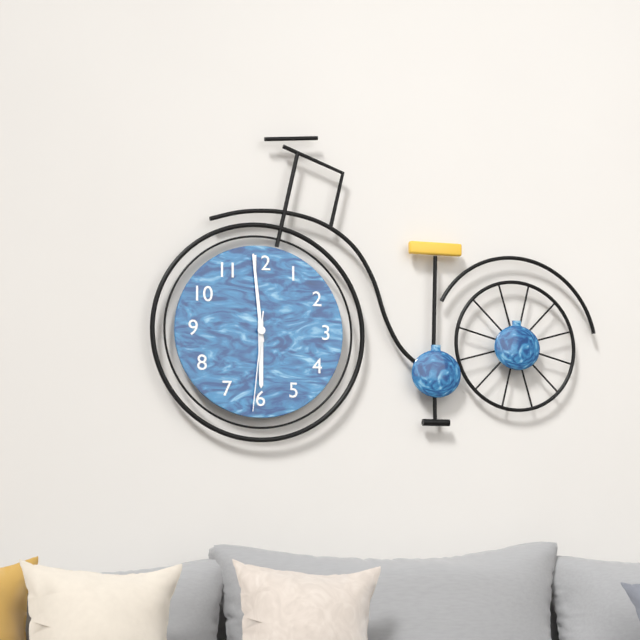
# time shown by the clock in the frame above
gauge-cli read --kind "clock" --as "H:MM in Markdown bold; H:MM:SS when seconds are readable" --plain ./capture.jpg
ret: **5:59:31**
